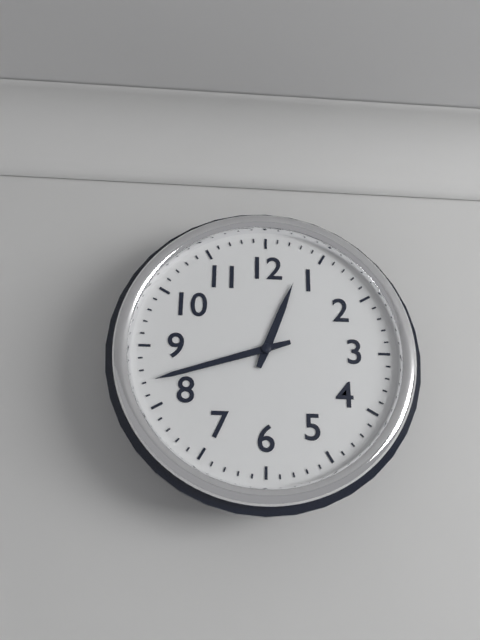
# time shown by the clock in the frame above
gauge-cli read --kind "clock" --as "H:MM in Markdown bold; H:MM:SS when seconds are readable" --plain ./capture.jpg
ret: **12:42**
